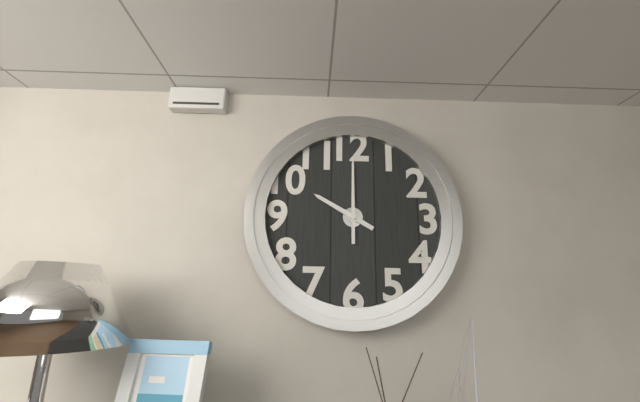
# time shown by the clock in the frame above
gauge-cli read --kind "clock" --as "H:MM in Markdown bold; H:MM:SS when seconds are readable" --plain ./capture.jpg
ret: **10:00**
